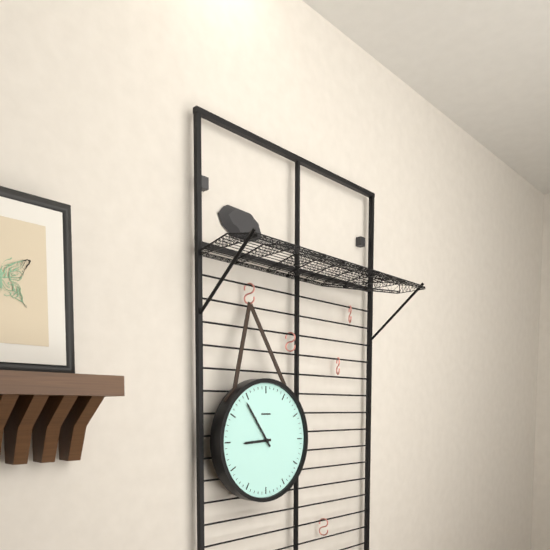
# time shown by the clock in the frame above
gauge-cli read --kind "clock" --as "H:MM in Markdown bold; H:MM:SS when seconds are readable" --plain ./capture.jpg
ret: **8:54**
